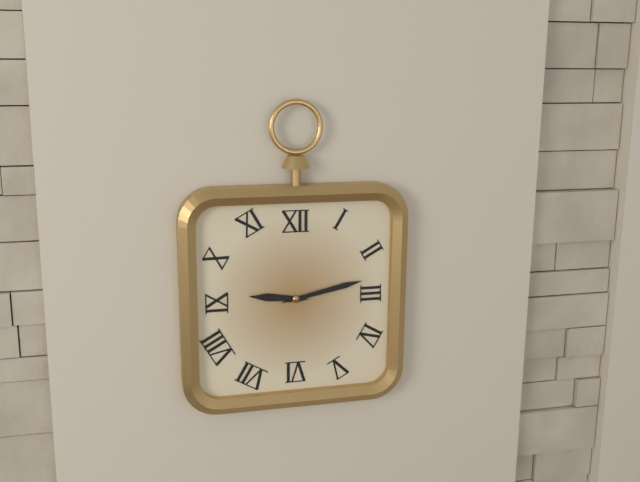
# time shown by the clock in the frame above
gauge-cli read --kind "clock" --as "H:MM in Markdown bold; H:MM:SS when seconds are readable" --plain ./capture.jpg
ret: **9:13**
